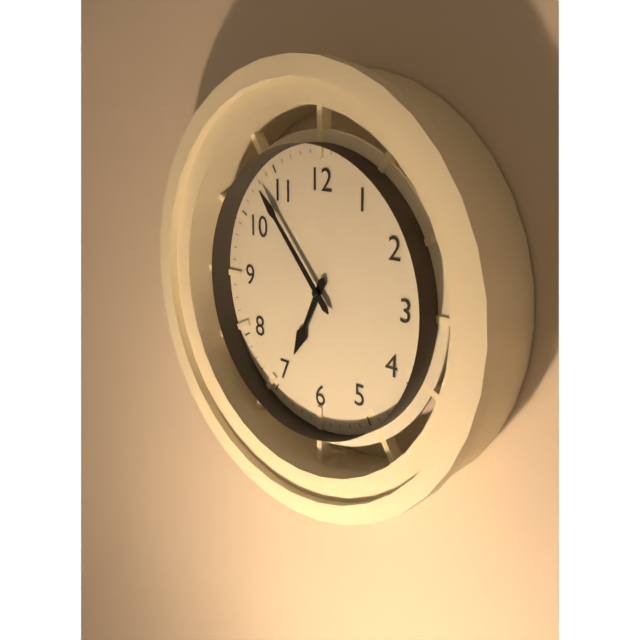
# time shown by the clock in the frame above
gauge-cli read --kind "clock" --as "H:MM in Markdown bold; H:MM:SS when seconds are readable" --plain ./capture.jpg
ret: **6:53**
